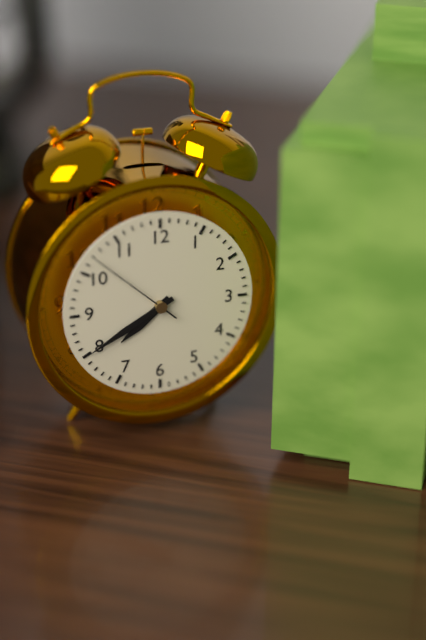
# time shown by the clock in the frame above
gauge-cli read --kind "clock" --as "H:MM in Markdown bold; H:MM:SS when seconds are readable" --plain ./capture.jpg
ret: **7:40:52**
